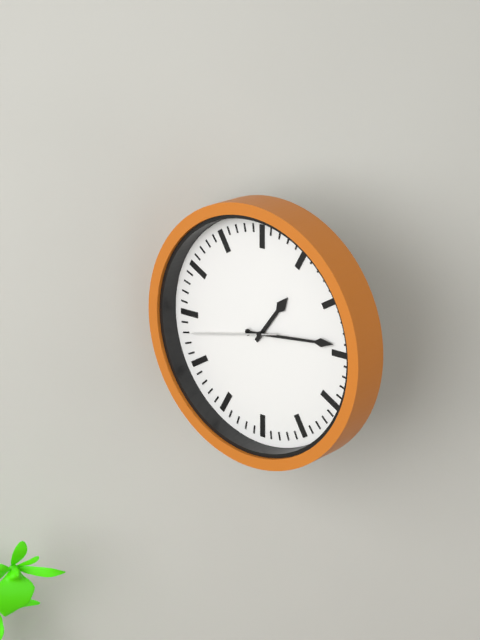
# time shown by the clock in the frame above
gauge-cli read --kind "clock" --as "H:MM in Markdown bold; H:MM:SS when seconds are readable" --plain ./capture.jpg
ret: **1:14:43**
